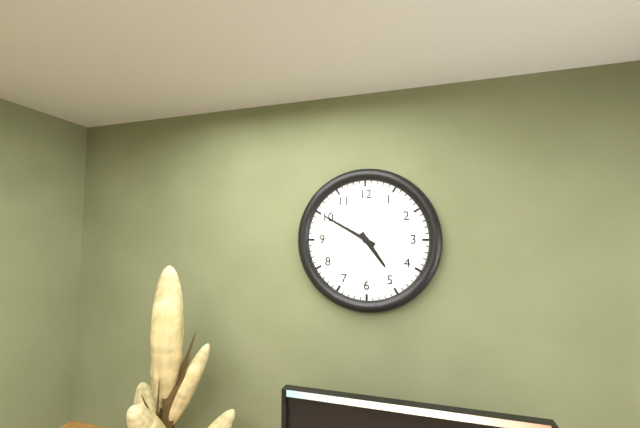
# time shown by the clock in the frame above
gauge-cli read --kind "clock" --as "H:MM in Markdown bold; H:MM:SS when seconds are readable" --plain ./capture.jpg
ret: **4:50**
